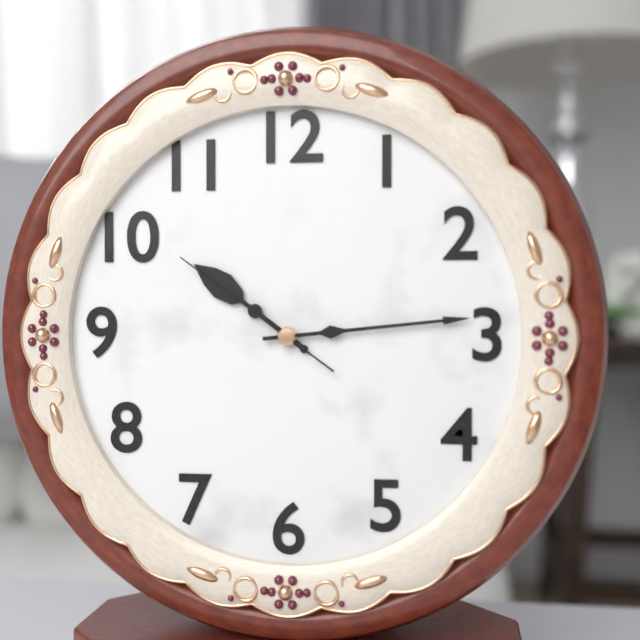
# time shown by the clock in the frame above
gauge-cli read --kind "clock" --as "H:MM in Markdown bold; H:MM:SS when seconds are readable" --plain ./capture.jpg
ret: **10:14:51**
